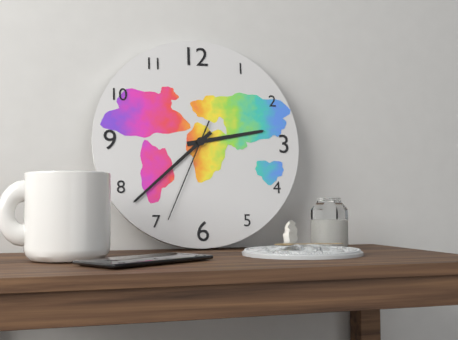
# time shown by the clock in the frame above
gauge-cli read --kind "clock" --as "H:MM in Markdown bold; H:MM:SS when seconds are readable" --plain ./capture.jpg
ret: **2:38:34**
